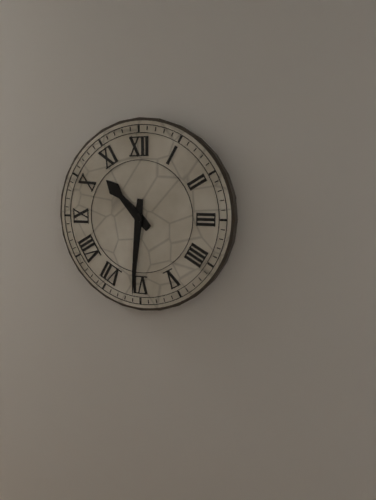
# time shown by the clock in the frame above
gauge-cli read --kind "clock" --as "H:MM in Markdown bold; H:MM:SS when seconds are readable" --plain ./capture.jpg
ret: **10:31**
